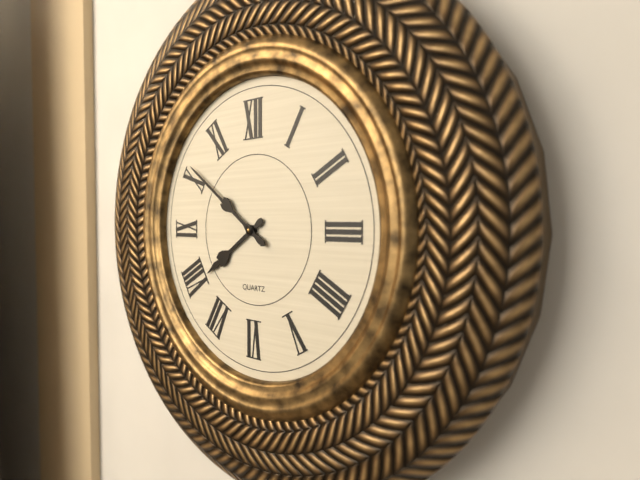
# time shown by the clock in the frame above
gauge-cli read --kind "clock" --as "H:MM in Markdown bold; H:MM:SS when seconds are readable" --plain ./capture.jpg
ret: **7:51**
